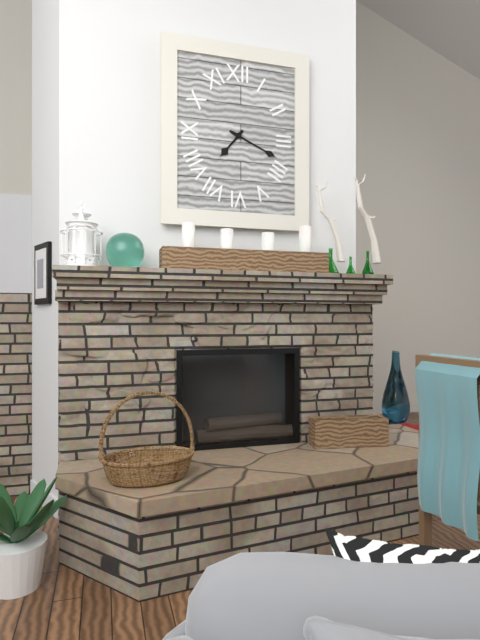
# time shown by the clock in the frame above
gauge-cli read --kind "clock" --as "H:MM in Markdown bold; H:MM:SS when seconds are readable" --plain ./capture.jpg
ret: **7:19**
